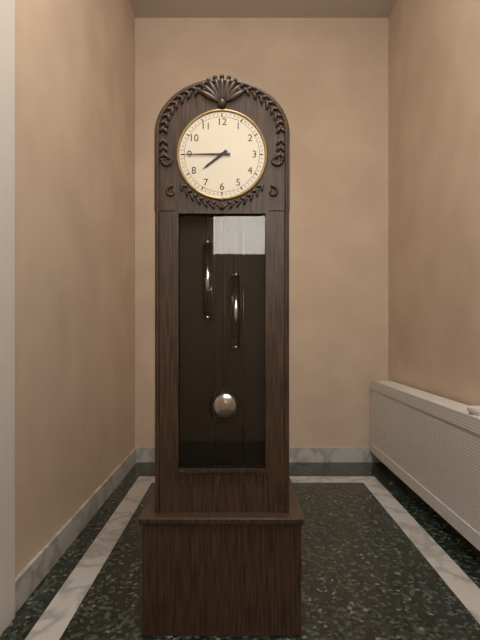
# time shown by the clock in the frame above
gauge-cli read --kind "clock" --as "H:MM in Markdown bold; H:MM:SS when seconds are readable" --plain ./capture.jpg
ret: **7:45**
